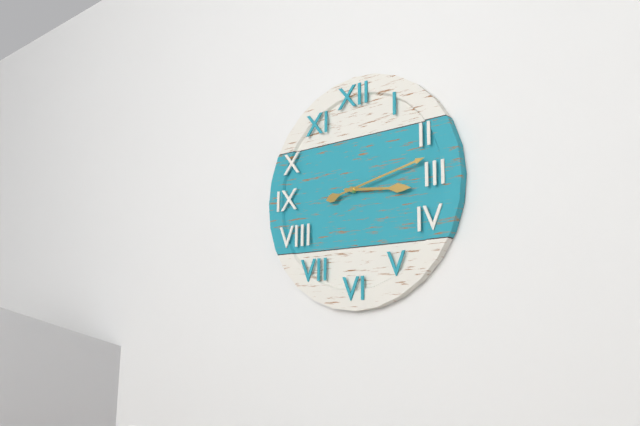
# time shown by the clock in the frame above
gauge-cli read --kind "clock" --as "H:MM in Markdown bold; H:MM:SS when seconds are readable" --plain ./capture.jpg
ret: **3:13**
